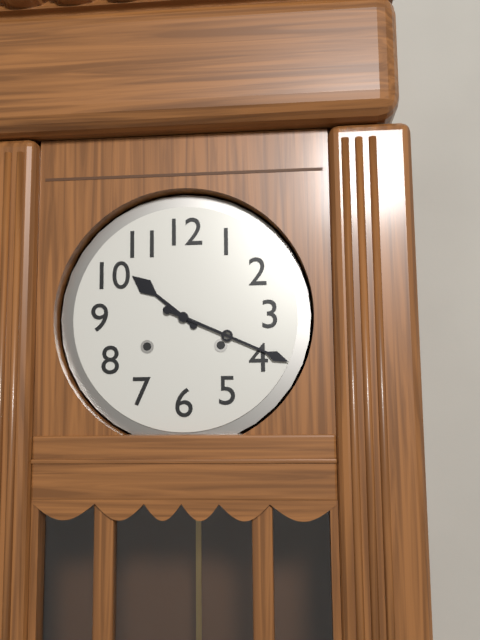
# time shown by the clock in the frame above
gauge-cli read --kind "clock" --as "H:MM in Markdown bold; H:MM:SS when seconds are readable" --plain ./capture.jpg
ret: **10:19**
